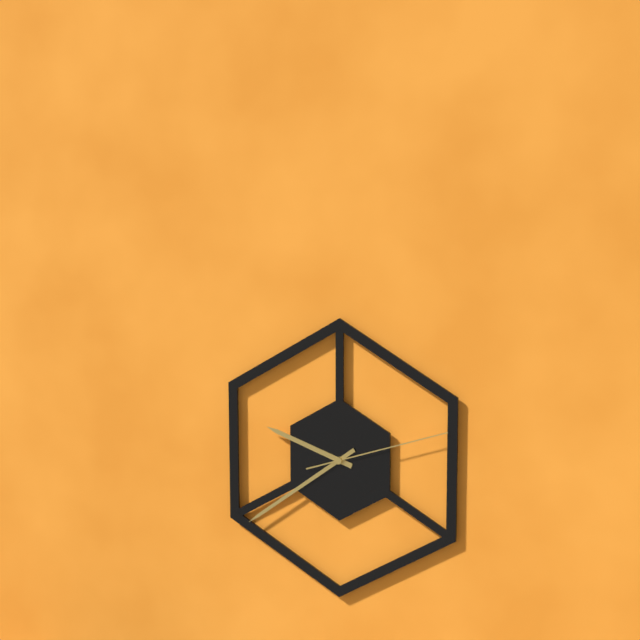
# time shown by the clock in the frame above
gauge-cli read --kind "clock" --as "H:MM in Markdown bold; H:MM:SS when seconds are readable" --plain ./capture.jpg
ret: **9:39:12**
